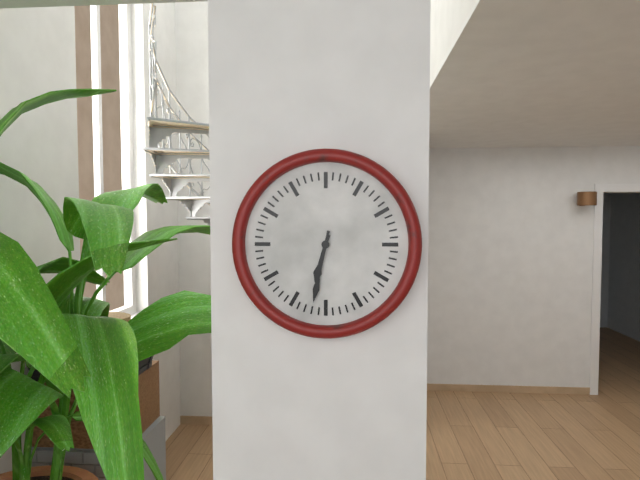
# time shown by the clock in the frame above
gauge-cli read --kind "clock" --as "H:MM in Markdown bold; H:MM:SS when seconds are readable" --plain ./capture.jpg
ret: **6:32**
